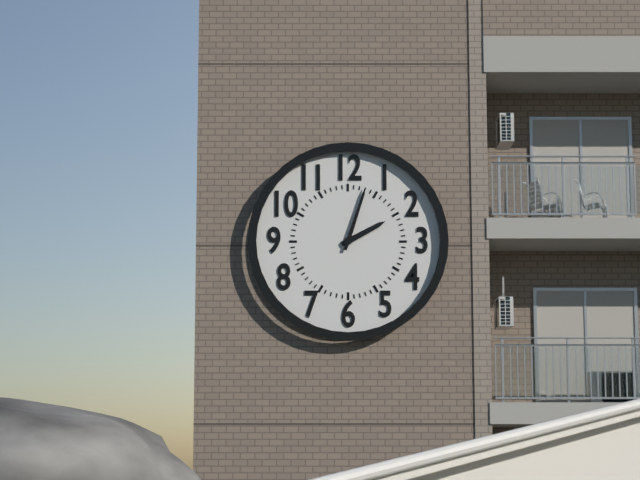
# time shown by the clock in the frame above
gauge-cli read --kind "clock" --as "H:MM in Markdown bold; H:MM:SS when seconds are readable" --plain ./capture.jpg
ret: **2:03**
